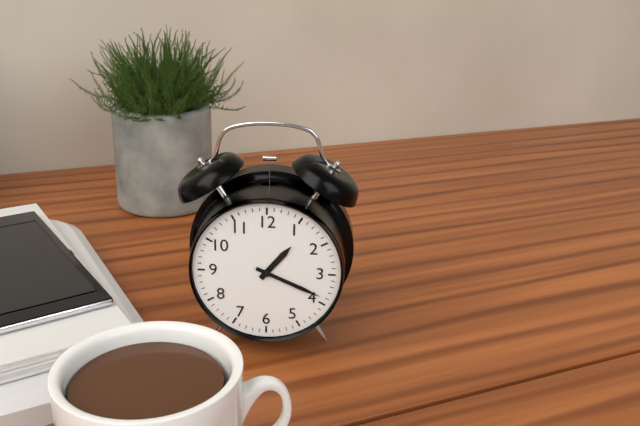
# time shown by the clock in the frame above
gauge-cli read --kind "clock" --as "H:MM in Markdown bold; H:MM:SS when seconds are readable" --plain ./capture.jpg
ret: **1:19**
